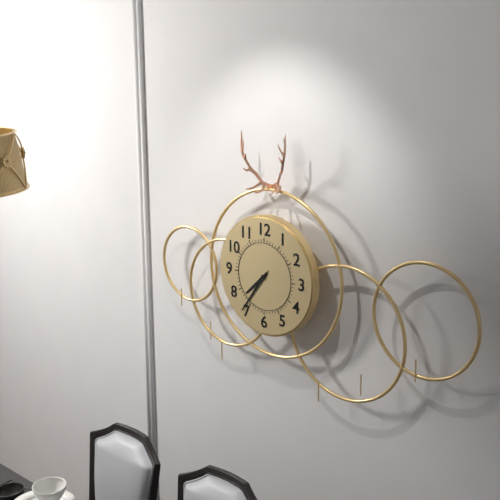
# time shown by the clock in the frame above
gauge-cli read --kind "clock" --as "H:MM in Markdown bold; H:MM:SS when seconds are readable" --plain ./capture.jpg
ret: **7:36**
